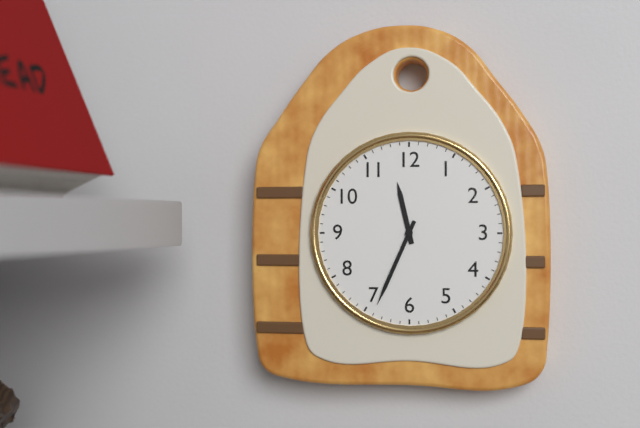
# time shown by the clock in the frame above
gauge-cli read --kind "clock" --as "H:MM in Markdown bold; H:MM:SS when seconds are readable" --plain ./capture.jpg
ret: **11:34**
